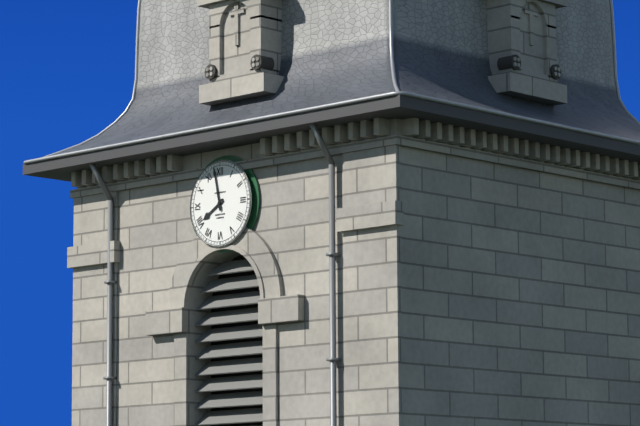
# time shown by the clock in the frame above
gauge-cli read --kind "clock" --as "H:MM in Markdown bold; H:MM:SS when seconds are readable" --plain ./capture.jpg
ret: **7:58**
